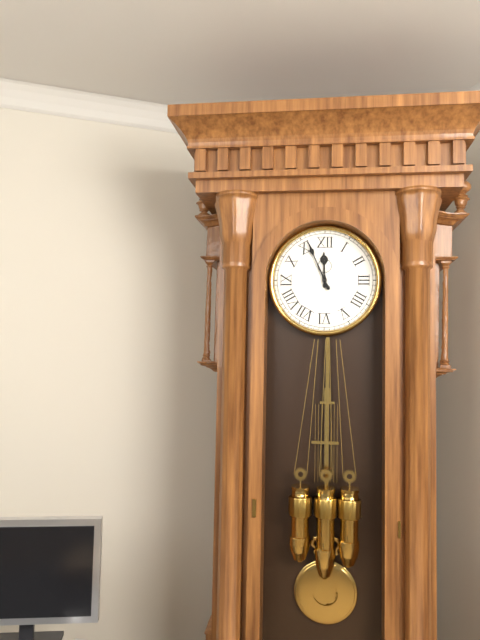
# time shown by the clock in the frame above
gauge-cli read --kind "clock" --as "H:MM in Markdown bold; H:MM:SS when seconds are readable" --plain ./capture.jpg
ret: **11:56**
